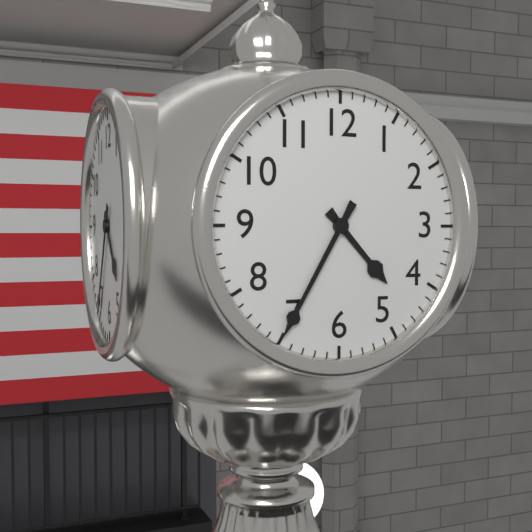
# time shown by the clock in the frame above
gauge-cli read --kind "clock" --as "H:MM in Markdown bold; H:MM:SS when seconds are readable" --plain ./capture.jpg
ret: **4:35**
